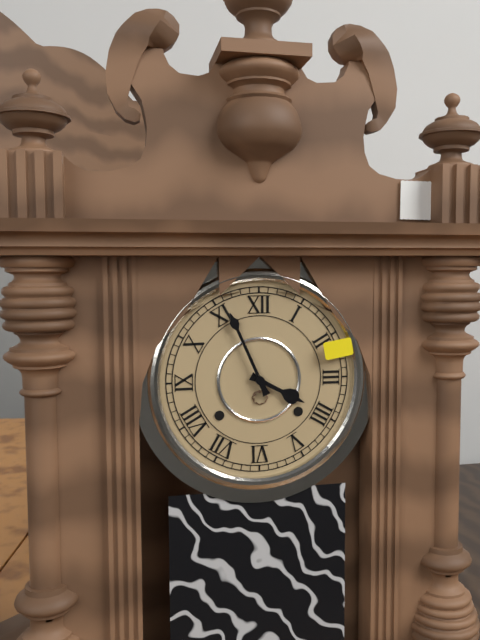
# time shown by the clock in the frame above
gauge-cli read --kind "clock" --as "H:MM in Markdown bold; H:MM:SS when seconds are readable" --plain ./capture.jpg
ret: **3:56**
